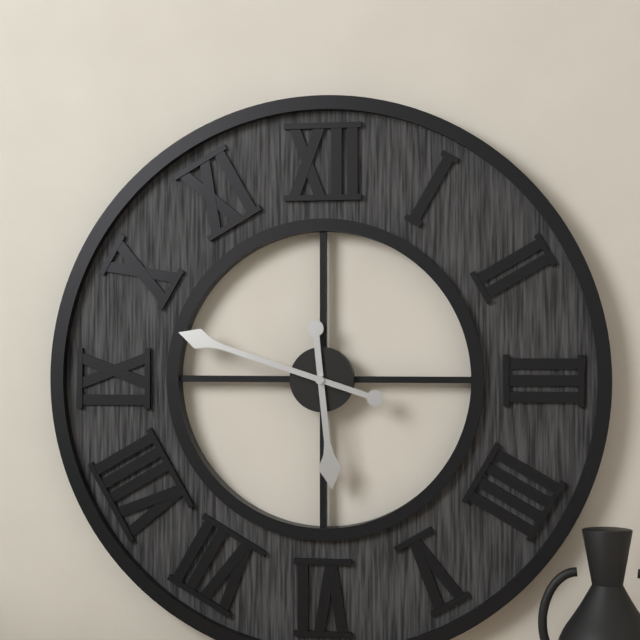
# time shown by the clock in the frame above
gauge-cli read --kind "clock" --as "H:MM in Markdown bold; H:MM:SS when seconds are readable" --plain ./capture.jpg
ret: **5:48**
